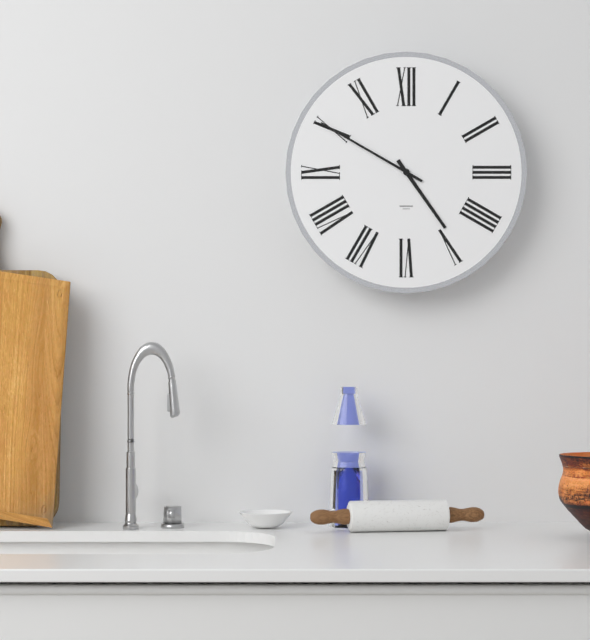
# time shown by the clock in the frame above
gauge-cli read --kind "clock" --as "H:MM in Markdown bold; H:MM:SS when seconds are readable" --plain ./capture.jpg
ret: **4:50**
